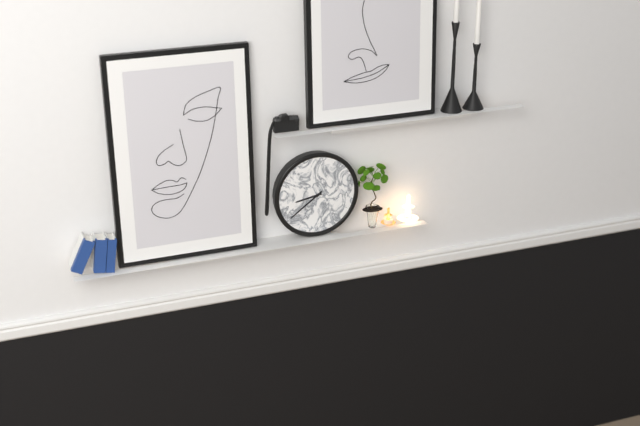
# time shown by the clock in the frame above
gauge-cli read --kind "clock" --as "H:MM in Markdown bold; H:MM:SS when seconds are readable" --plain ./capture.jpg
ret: **8:39**
